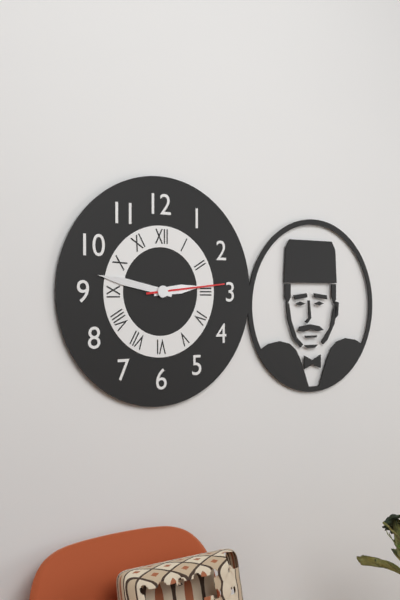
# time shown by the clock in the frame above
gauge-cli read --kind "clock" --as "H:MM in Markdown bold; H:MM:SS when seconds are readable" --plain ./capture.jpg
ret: **2:47:14**
